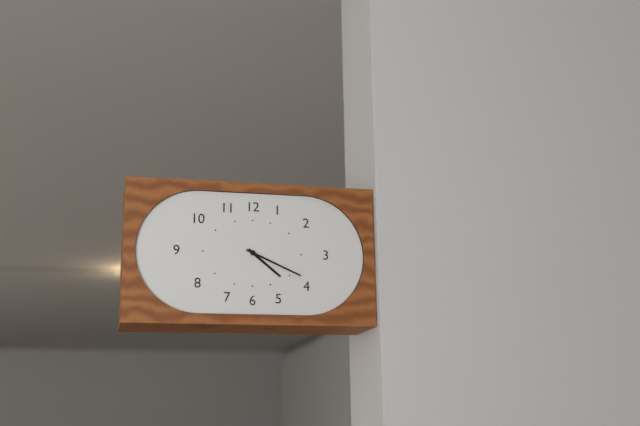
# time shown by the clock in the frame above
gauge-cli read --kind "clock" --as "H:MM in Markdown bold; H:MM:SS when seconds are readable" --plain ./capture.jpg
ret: **4:19**
